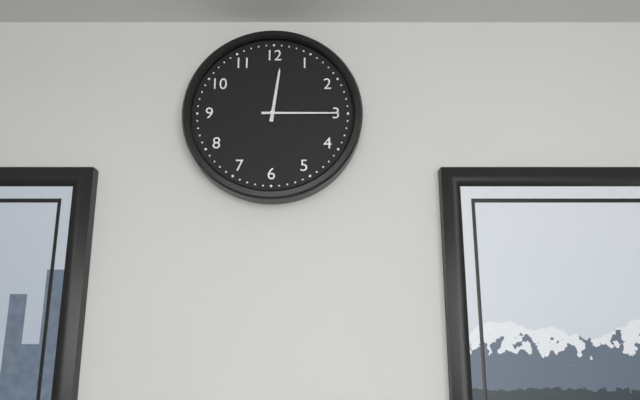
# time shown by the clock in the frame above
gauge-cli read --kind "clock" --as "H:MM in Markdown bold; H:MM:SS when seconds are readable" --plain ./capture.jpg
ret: **12:15**
